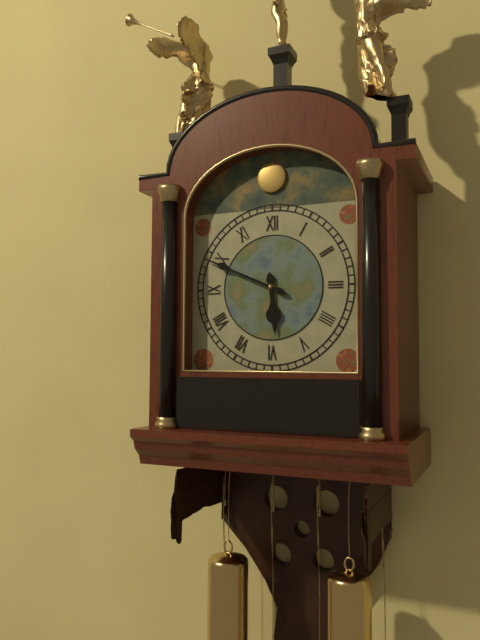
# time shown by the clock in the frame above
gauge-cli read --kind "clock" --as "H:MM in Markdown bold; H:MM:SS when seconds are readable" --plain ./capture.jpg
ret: **5:49**
